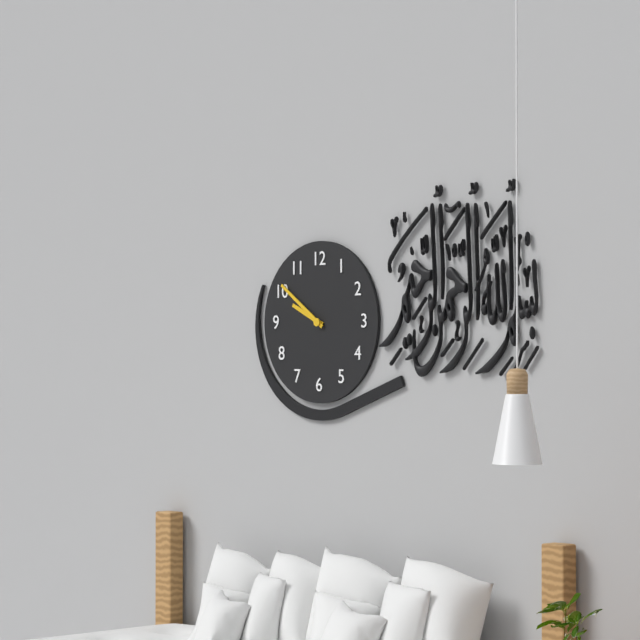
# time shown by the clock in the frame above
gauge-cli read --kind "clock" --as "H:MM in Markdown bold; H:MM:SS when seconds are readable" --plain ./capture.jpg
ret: **9:51**
